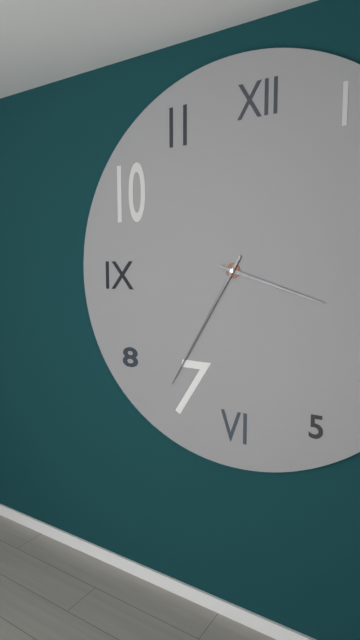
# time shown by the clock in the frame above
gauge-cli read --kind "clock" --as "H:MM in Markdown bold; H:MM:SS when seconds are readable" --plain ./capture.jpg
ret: **3:35**
